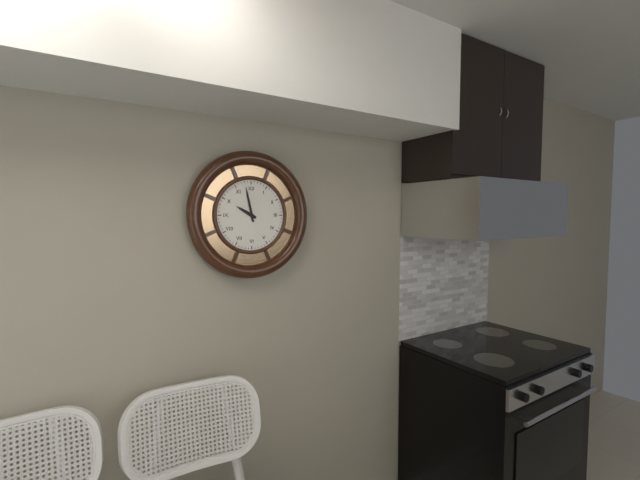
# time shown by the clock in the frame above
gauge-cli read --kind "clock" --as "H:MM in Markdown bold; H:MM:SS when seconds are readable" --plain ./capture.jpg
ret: **9:58**
